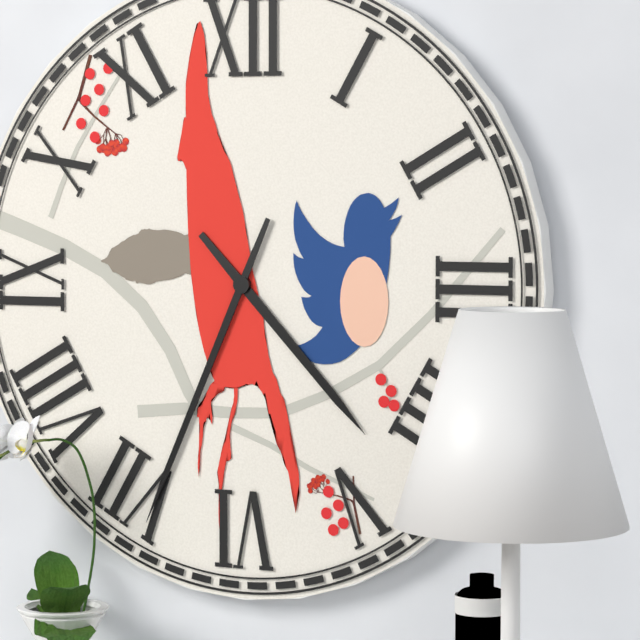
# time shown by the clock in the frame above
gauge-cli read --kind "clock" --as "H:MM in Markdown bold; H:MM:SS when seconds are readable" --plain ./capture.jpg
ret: **4:34**
